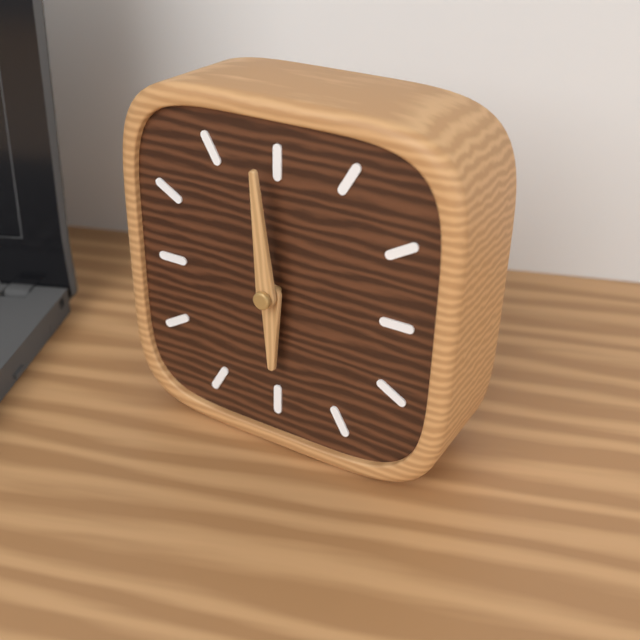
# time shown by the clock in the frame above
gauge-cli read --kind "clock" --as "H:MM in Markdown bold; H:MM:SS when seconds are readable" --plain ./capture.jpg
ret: **5:59**
